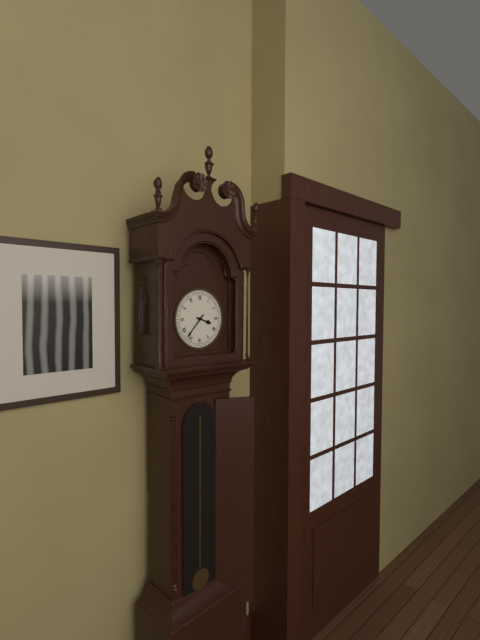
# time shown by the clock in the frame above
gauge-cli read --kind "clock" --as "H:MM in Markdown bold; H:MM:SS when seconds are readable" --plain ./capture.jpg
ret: **3:37**
